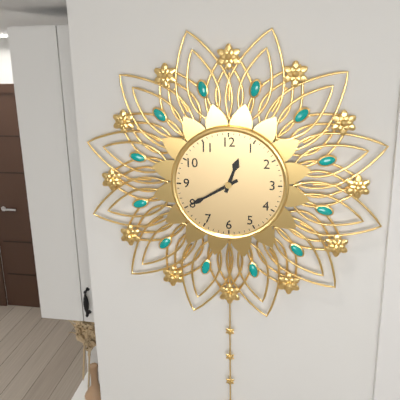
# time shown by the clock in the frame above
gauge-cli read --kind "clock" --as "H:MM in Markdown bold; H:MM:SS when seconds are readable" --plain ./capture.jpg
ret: **12:40**
